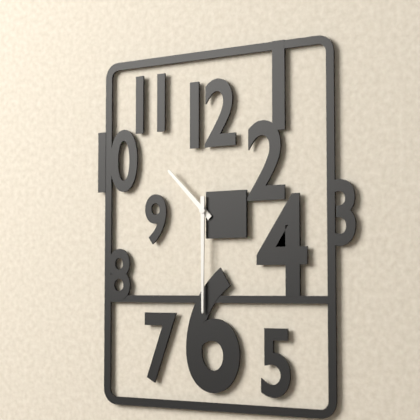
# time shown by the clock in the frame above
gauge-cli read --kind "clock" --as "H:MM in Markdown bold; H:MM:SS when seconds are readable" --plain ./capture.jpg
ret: **10:30**
